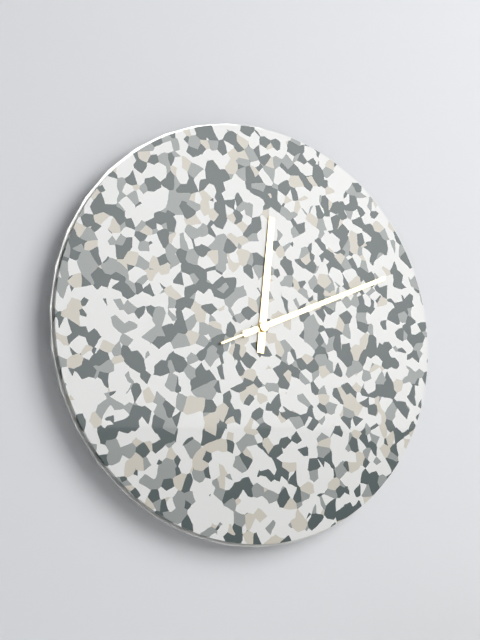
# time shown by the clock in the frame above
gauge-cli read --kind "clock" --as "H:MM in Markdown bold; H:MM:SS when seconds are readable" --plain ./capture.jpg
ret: **12:11:11**
